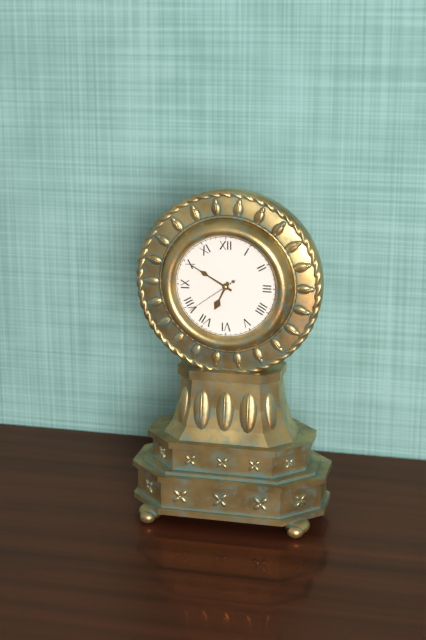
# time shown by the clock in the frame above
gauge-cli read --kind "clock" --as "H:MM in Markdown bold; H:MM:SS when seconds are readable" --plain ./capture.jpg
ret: **6:50:39**
